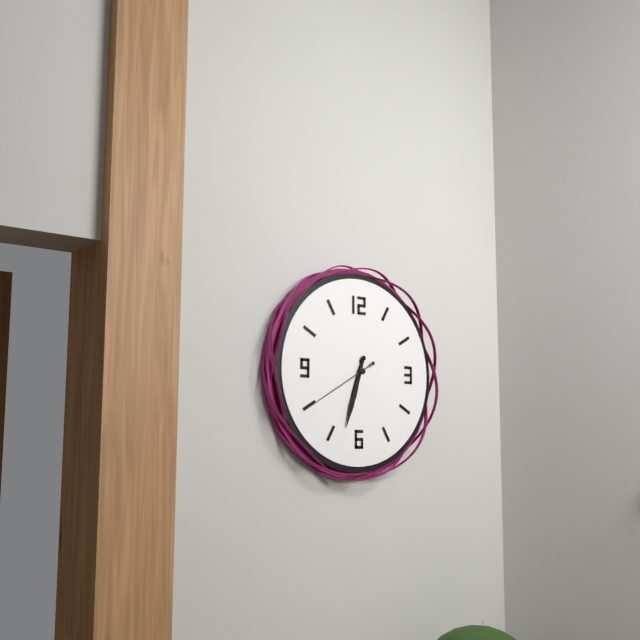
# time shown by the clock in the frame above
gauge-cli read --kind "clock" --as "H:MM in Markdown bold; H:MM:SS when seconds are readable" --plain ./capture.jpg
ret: **6:33:40**
